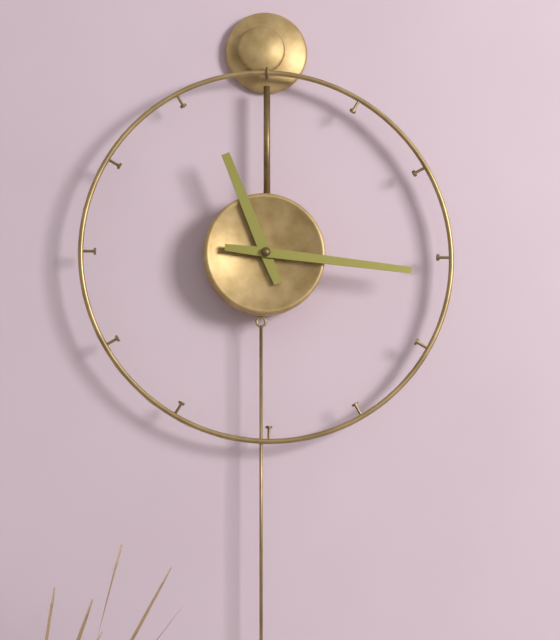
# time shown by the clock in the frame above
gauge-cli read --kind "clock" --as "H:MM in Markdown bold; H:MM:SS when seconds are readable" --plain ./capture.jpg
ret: **11:16**
